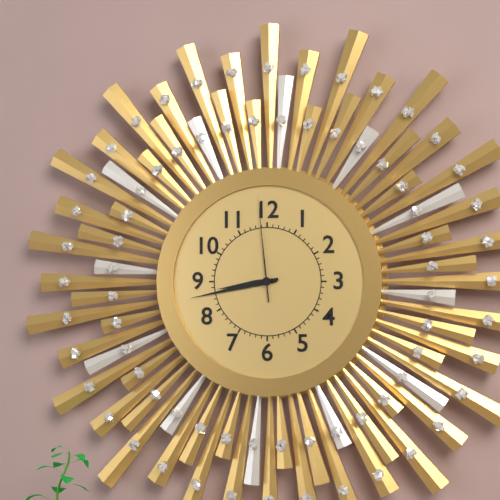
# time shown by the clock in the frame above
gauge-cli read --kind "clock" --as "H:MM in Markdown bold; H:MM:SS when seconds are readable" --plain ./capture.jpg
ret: **8:43:59**
